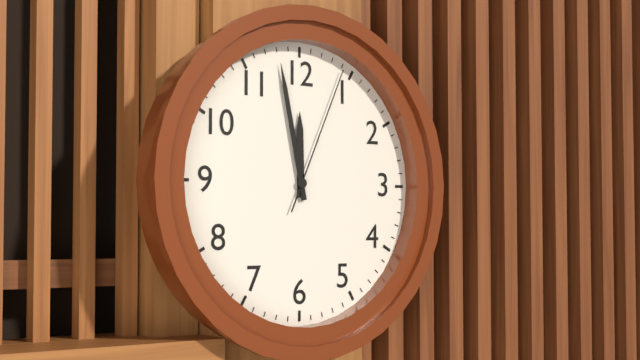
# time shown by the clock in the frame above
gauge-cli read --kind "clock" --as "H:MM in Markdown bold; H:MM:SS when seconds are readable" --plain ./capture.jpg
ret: **11:58:04**
